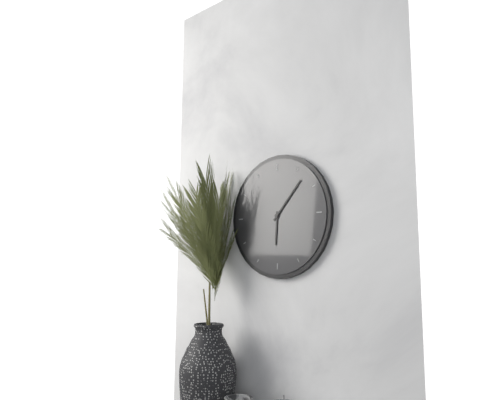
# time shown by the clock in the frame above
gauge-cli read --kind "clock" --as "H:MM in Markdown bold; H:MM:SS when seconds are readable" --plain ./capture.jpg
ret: **6:07**
